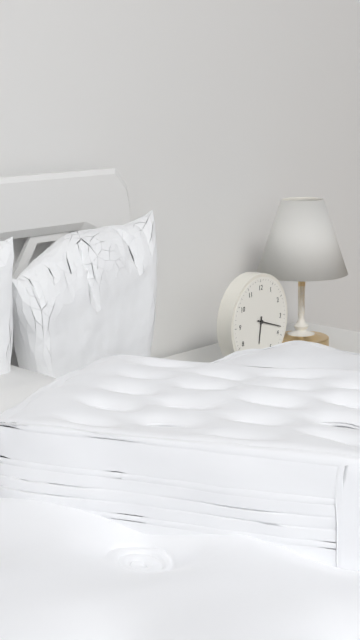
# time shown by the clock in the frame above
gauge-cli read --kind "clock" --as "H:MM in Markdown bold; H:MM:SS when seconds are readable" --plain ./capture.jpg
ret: **6:18**
